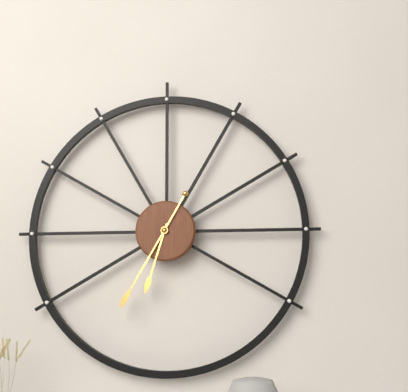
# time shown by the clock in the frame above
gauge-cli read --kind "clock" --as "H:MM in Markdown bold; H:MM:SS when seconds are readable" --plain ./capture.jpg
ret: **6:35**
